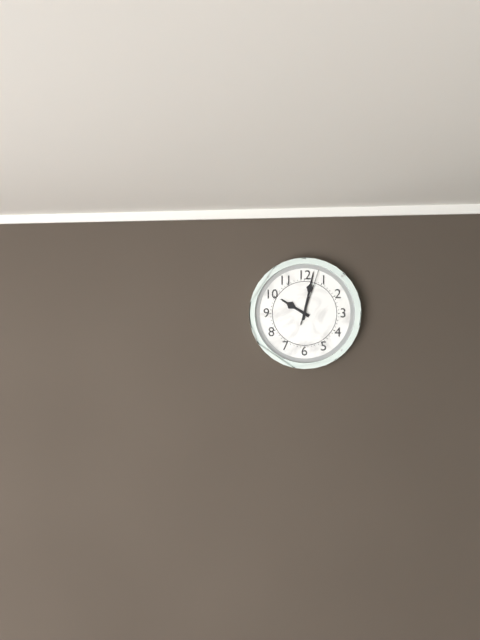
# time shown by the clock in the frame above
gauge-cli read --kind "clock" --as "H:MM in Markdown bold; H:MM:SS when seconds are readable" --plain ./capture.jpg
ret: **10:02:03**
